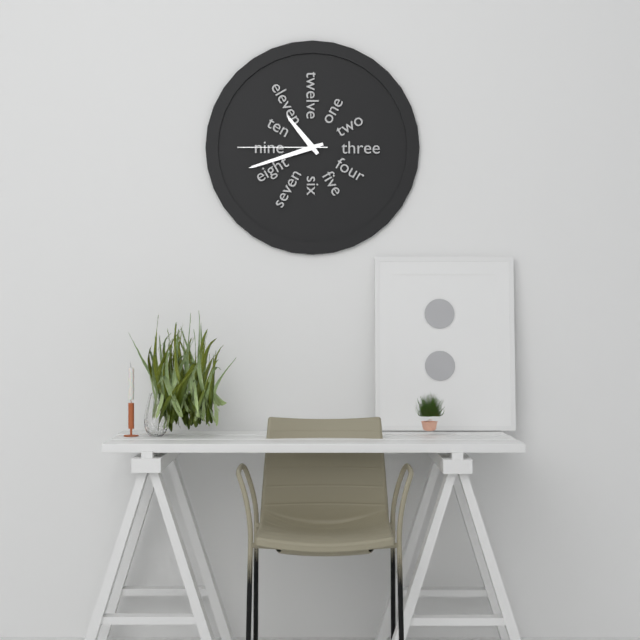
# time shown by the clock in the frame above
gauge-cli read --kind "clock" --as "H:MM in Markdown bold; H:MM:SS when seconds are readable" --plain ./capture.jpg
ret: **10:42:45**
